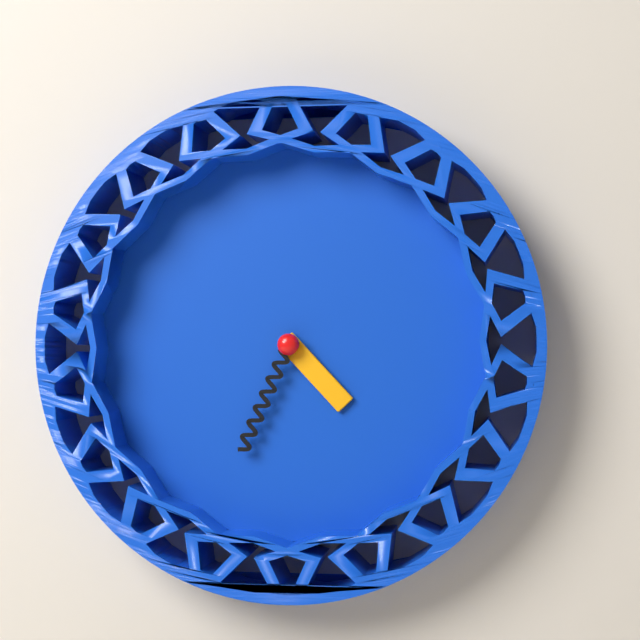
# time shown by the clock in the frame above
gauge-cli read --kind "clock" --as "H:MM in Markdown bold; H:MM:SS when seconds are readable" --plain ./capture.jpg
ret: **4:34**
